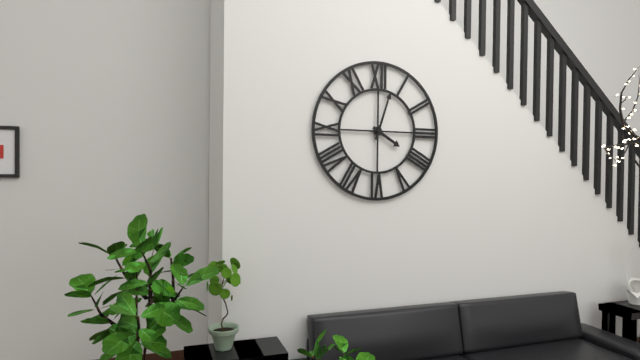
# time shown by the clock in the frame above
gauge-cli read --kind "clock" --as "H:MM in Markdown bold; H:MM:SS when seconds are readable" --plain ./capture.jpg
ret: **4:03**
